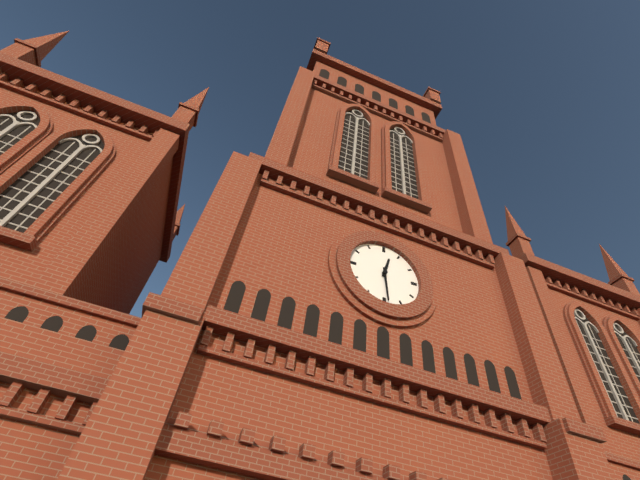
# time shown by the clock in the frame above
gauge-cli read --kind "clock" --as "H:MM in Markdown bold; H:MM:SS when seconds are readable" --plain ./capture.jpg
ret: **12:29**
